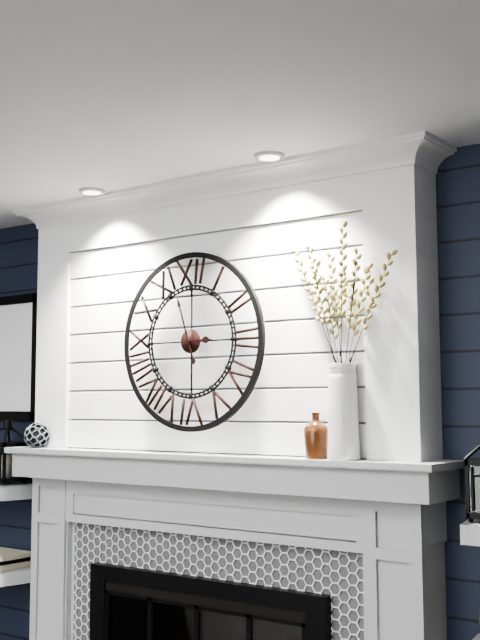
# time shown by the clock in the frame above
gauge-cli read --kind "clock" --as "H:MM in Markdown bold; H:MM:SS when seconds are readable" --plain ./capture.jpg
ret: **2:57**
